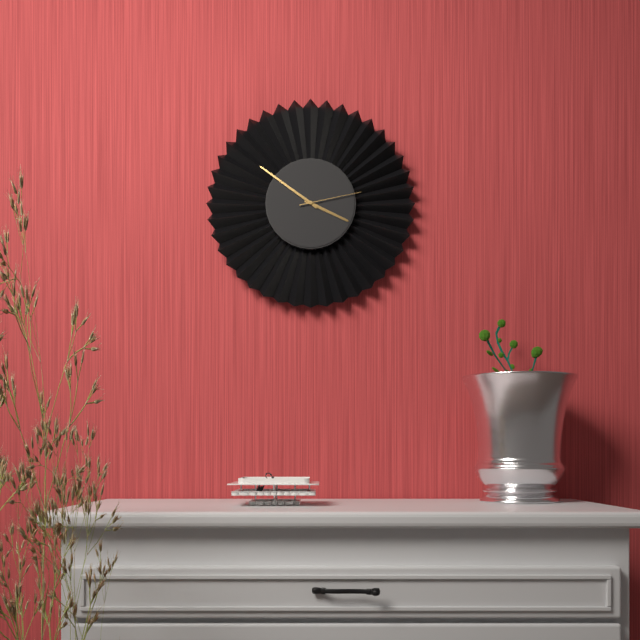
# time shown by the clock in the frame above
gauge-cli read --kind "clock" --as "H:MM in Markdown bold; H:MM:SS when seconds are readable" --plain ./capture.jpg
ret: **3:51:13**
